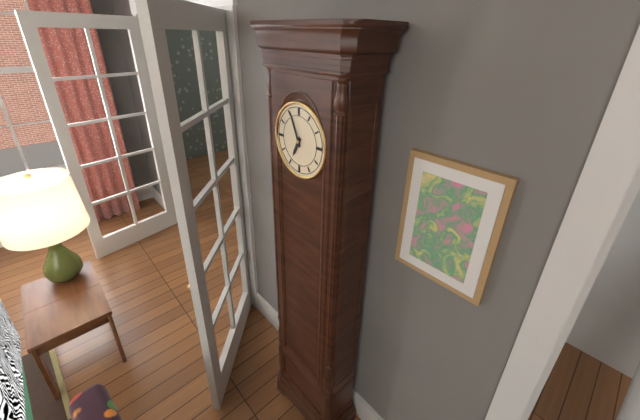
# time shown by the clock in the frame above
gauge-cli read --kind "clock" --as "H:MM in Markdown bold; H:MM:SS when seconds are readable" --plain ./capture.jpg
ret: **6:56**
